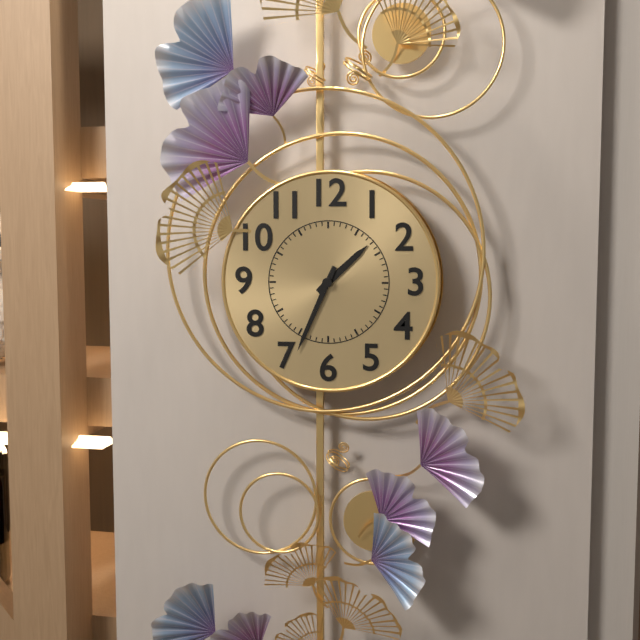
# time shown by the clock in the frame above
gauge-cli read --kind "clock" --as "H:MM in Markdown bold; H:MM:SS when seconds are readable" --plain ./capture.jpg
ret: **1:34**
